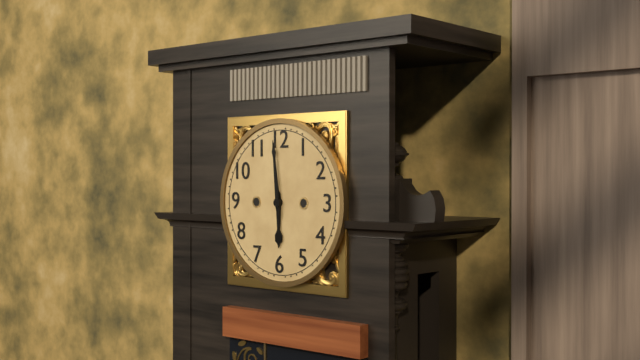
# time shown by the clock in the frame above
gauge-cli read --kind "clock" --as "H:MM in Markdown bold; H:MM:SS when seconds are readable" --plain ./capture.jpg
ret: **5:59**
